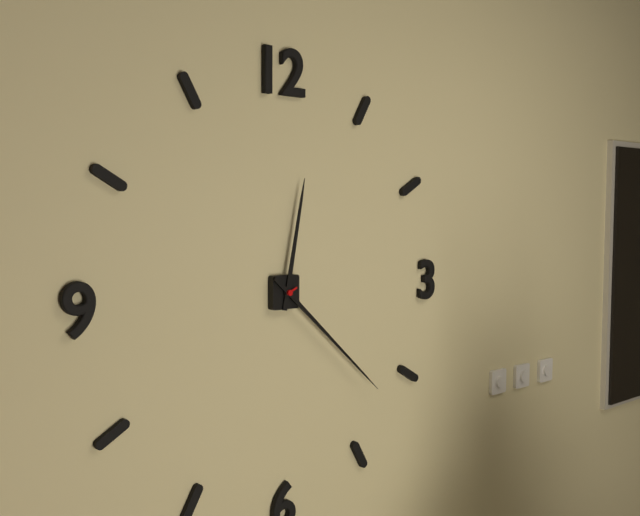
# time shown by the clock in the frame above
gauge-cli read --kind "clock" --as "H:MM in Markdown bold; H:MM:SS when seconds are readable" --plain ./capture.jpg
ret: **12:22**
